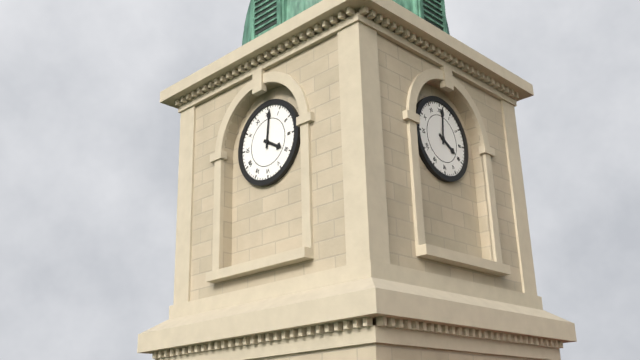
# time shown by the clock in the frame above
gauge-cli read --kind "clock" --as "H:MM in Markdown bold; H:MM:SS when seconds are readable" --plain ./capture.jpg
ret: **4:01**
